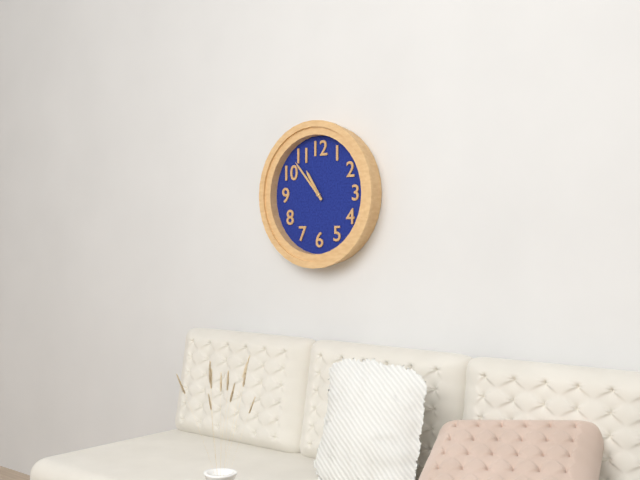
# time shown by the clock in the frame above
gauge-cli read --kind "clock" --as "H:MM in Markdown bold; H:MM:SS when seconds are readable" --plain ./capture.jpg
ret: **10:53**
